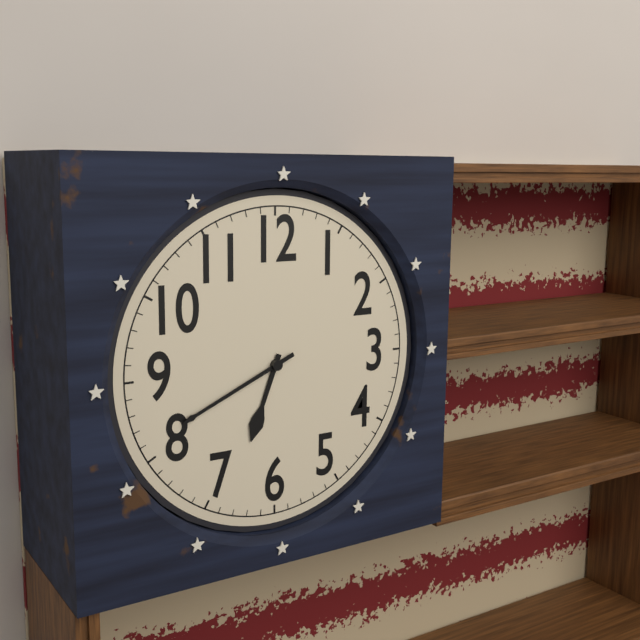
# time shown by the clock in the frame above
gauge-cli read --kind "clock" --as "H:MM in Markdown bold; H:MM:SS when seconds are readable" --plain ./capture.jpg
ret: **6:41**
